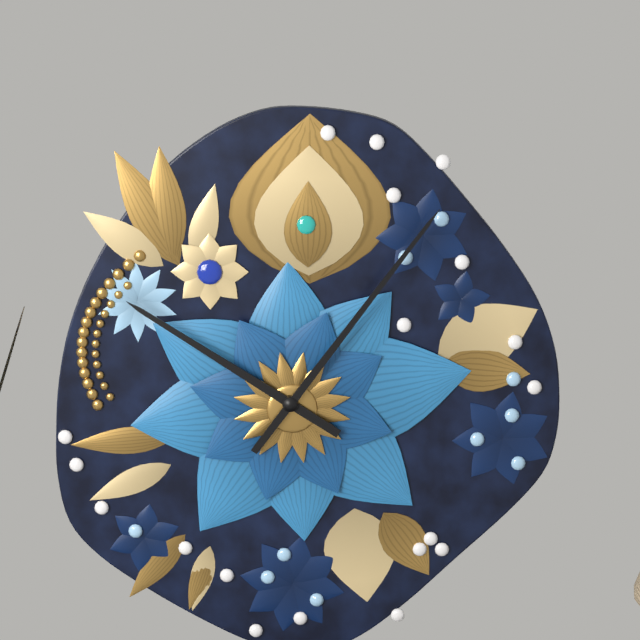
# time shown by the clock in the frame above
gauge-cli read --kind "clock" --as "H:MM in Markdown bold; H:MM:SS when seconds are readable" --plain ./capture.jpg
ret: **10:06**
